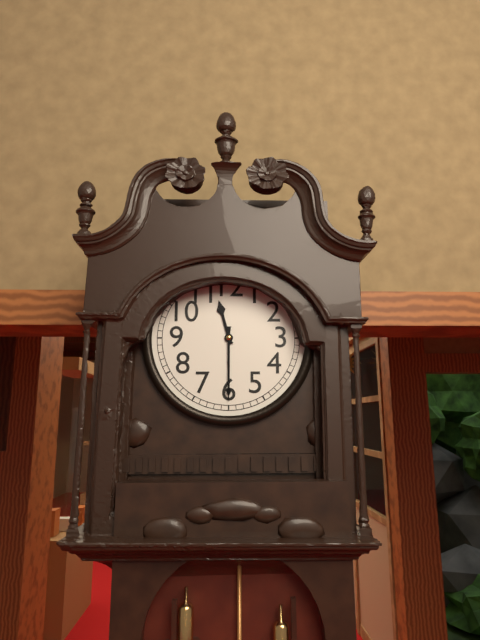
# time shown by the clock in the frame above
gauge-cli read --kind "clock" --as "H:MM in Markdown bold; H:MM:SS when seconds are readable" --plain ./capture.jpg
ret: **11:30**
